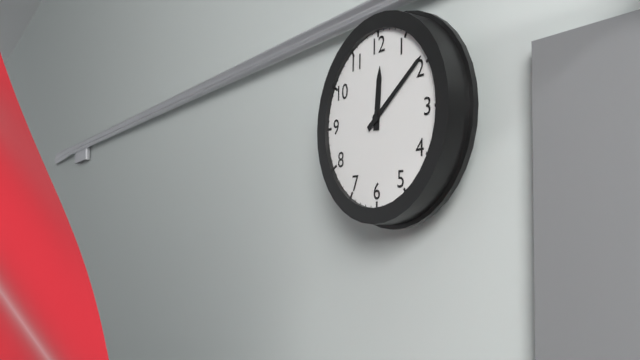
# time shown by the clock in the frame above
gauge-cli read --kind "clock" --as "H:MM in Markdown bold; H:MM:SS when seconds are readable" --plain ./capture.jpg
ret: **12:09**
